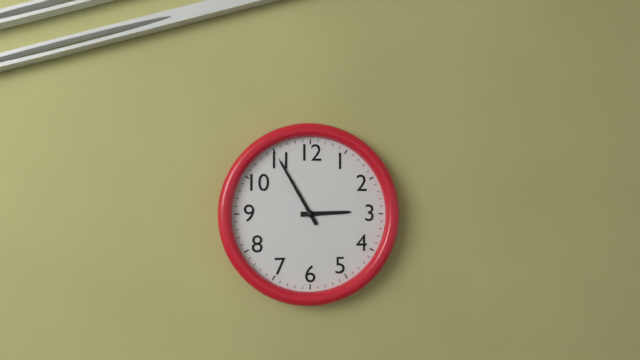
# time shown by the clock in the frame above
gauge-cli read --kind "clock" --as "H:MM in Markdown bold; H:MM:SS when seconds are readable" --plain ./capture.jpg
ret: **2:55**
